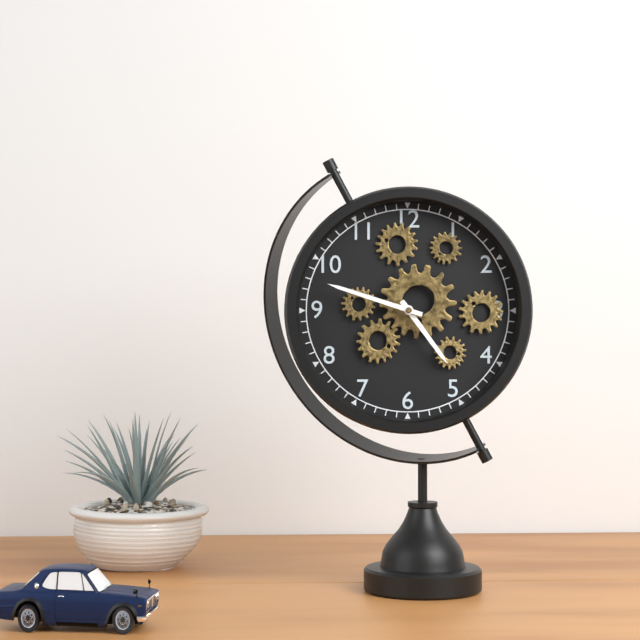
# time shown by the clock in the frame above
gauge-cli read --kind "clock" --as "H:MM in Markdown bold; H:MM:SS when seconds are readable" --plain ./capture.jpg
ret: **4:48**
